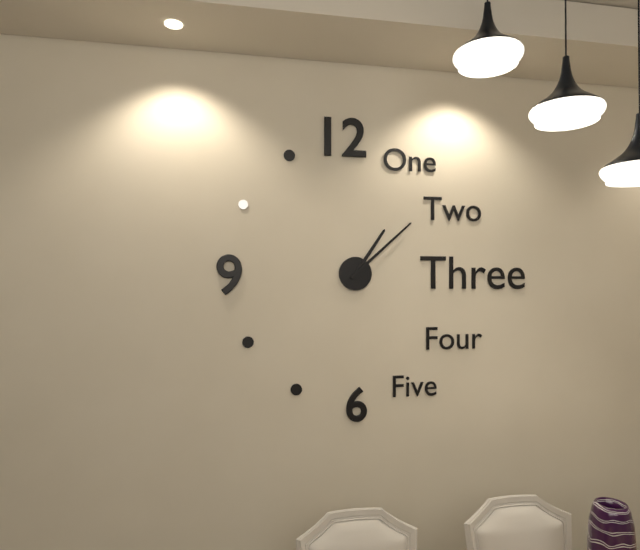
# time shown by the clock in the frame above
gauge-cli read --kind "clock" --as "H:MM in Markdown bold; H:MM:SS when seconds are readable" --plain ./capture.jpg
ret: **1:08**
